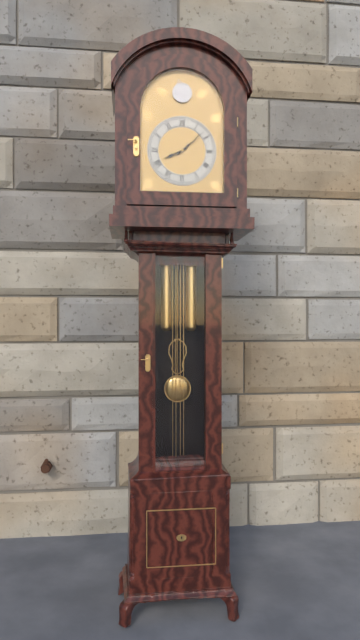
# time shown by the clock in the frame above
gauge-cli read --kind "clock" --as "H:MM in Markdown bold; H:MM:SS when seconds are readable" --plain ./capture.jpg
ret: **8:08**
